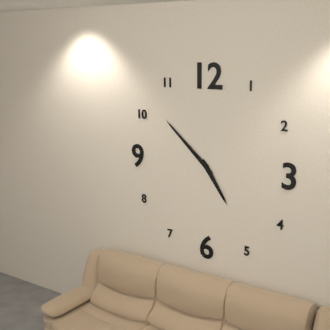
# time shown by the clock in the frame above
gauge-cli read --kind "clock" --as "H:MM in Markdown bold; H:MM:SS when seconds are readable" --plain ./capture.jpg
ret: **4:52**
